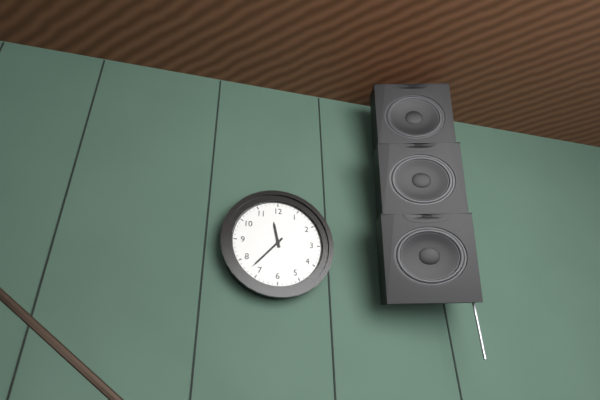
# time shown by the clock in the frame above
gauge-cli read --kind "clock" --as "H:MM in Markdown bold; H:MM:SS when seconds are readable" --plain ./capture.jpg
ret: **11:37**
